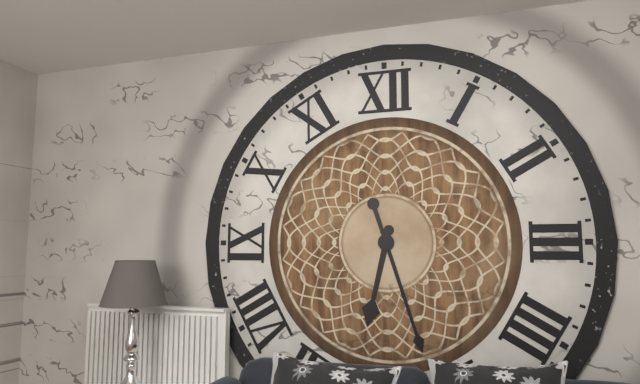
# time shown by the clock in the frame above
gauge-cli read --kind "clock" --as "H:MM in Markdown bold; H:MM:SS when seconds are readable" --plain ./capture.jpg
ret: **6:27**
